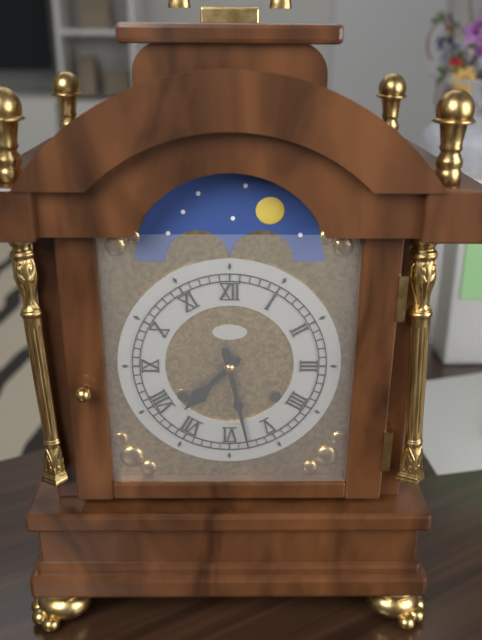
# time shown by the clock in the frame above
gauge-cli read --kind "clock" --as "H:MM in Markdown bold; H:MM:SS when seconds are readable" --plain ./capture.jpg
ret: **7:28**
